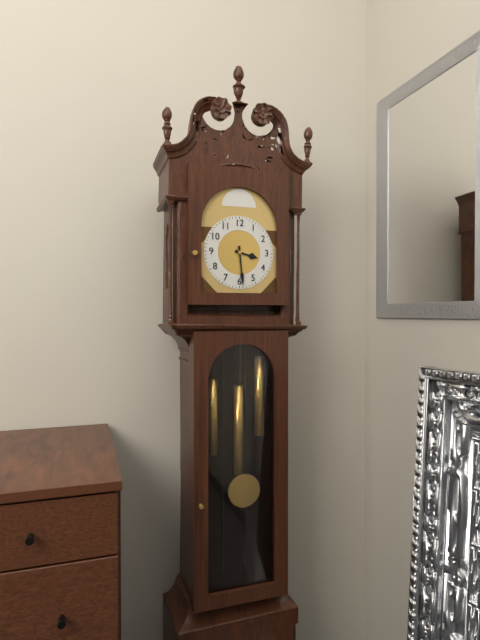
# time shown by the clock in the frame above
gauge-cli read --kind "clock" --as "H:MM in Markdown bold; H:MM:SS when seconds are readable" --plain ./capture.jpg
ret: **3:29**
